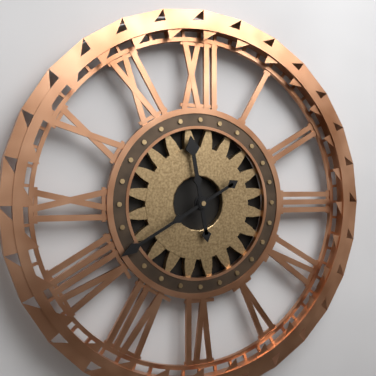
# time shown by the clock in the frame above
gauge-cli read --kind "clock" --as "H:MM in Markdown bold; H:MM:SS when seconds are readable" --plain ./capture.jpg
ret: **11:40**
